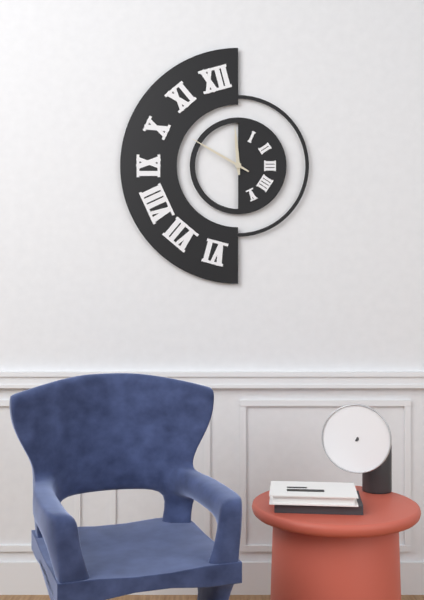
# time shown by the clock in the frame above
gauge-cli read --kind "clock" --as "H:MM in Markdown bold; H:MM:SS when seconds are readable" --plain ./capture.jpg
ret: **11:50**
